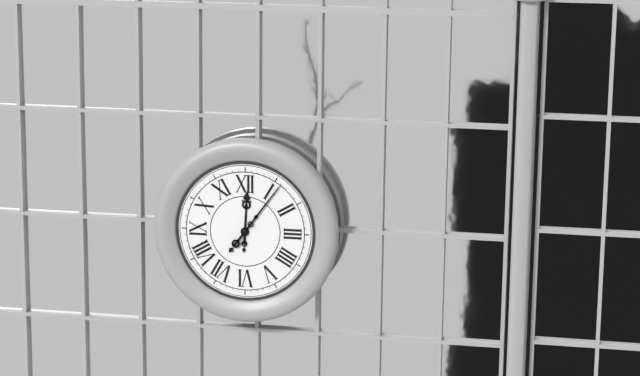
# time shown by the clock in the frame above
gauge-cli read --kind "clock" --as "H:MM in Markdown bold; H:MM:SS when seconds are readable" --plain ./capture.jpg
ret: **12:06**
